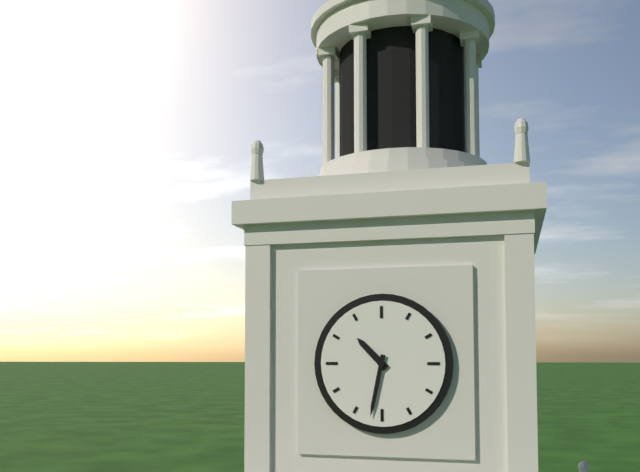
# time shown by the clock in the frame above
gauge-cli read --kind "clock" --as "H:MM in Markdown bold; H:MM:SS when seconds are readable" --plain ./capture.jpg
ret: **10:32**
